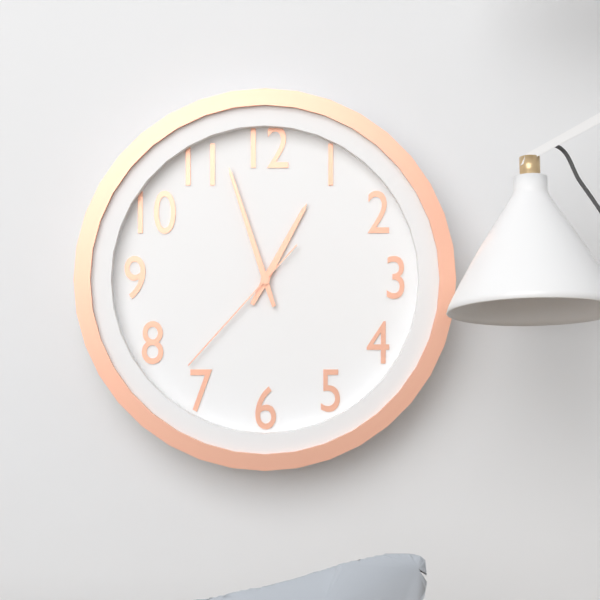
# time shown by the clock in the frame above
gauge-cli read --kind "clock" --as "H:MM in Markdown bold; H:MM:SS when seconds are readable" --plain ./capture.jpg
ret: **12:57:37**
